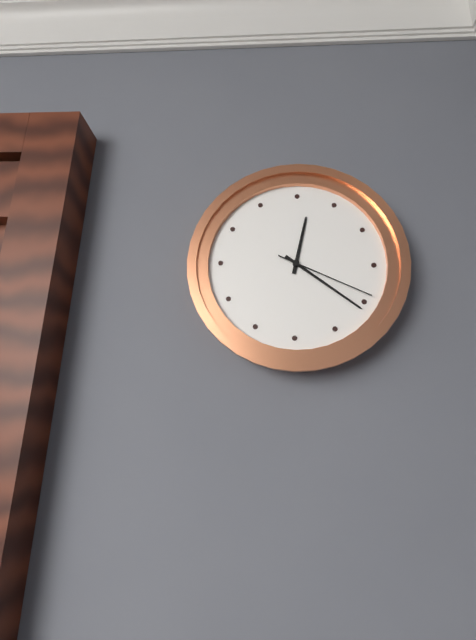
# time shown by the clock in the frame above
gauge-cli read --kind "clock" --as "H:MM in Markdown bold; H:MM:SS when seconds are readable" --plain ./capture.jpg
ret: **12:21:19**
